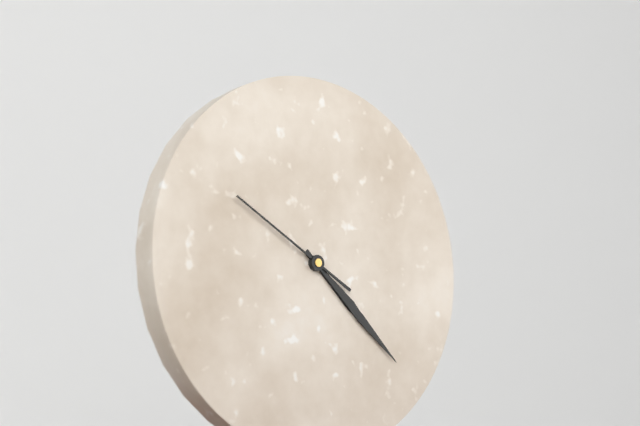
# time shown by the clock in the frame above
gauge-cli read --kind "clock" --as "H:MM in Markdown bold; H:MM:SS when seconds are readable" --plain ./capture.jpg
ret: **4:22:50**
